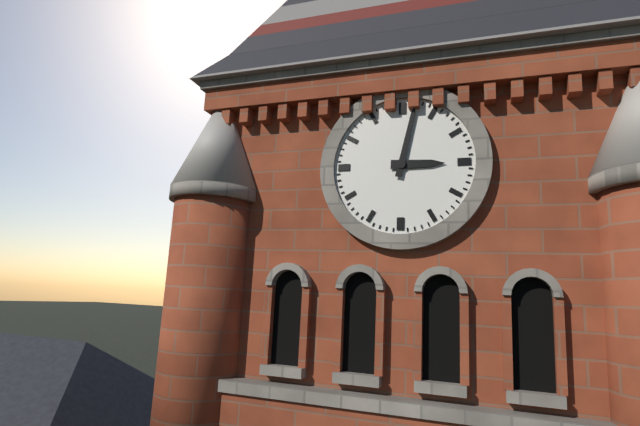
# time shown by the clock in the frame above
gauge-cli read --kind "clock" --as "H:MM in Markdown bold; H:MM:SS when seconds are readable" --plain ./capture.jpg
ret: **3:02**
